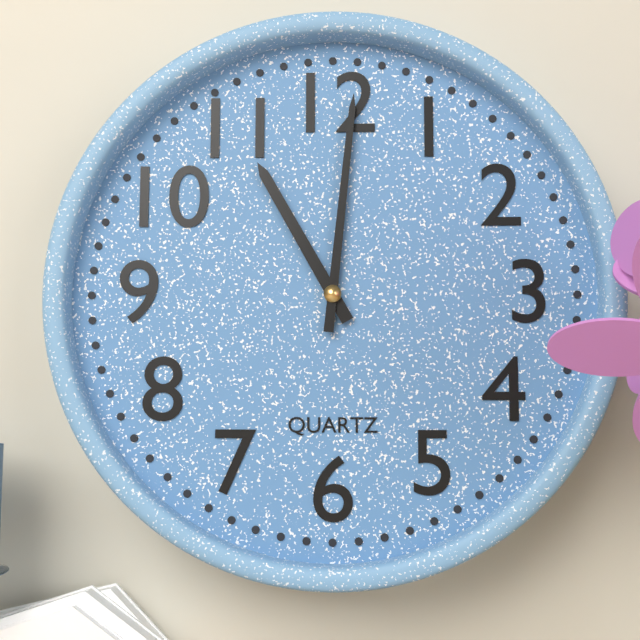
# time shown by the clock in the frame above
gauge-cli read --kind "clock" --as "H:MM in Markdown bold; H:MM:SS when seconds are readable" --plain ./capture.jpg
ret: **11:01**
